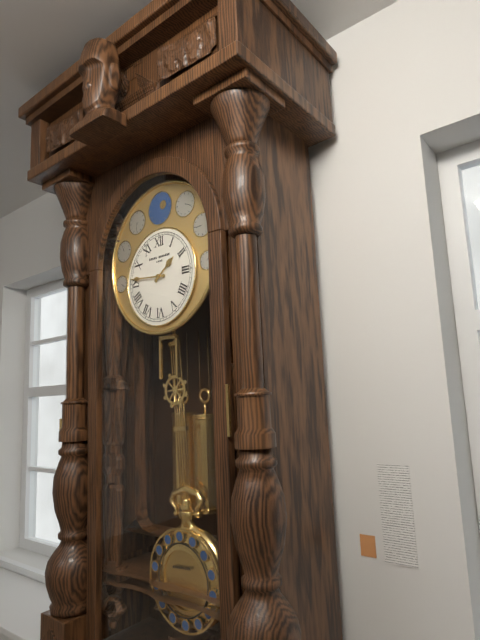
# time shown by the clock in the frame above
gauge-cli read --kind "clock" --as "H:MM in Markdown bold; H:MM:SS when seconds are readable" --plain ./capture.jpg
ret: **1:46**
